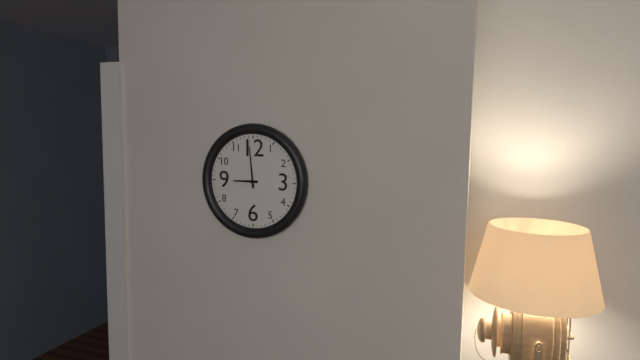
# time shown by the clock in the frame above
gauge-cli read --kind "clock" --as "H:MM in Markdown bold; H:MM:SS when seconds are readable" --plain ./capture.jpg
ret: **8:59**
